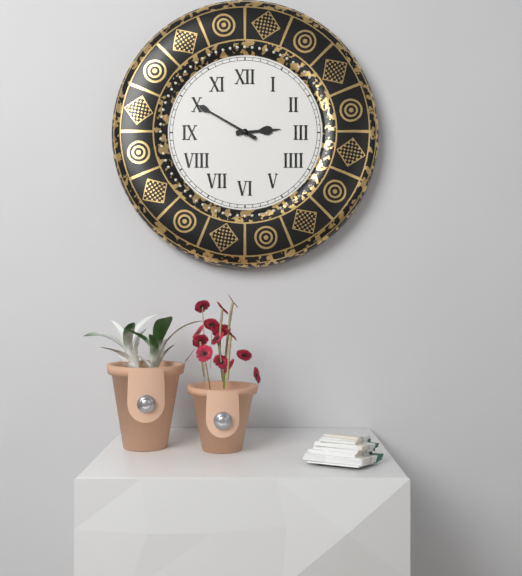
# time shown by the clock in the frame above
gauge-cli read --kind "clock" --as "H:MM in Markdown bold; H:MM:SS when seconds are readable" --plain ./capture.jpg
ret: **2:50**
